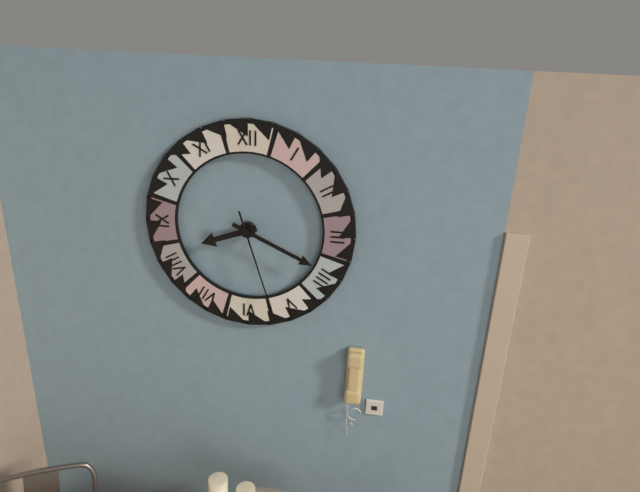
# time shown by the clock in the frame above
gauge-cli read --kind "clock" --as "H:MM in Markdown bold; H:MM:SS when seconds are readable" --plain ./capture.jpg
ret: **8:19:27**
